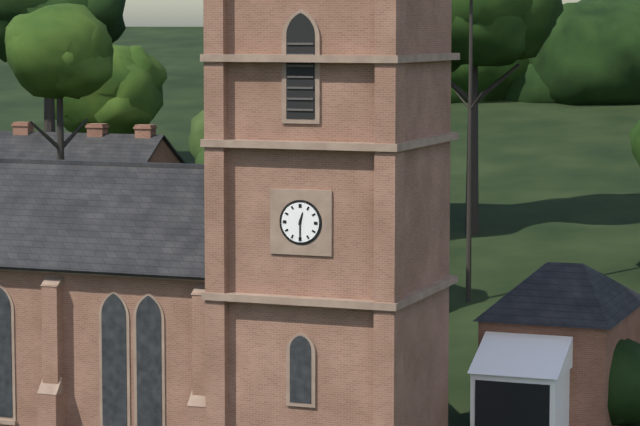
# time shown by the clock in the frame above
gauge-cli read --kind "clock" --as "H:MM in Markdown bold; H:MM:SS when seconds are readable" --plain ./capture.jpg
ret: **12:30**
